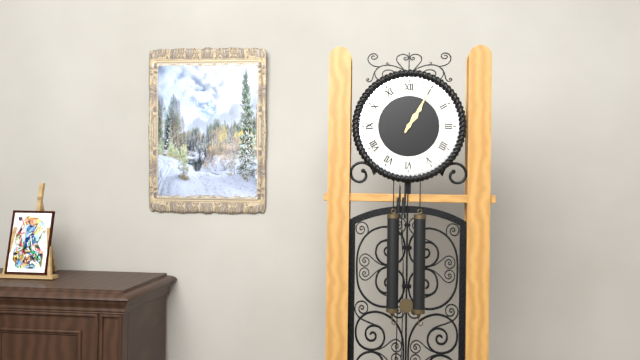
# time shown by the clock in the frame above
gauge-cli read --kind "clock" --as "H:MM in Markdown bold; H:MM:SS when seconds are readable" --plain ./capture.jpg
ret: **1:05**
